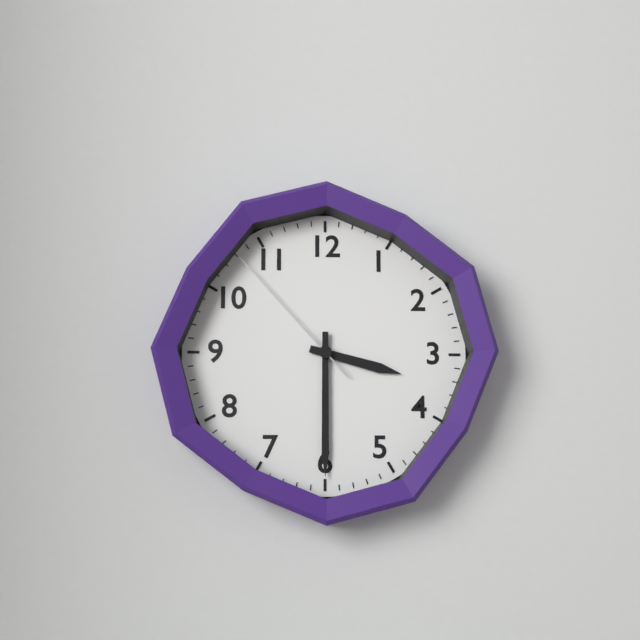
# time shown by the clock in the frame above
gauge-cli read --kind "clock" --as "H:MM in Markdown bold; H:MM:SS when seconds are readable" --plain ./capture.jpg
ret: **3:30:53**
